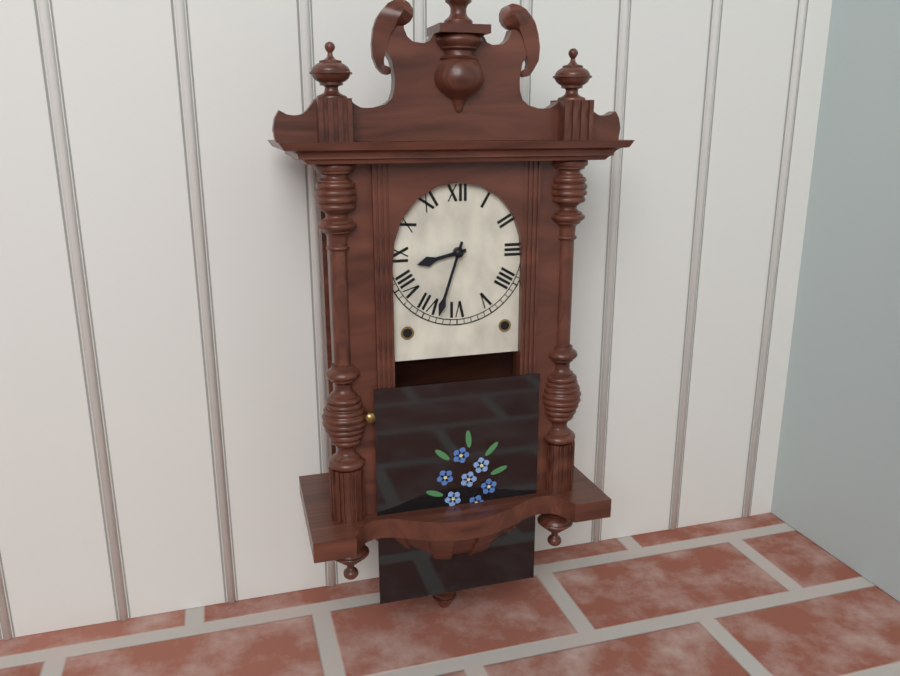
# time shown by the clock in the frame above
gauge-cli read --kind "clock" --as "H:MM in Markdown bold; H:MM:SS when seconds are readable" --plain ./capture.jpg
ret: **8:33**
